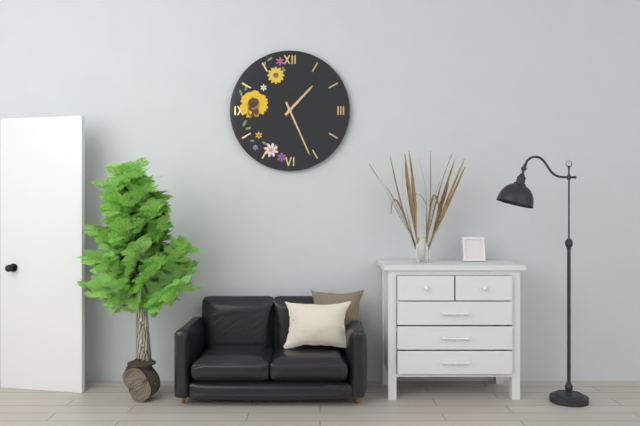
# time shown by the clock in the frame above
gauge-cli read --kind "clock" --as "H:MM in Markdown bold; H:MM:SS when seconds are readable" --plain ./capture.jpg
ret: **1:26**
